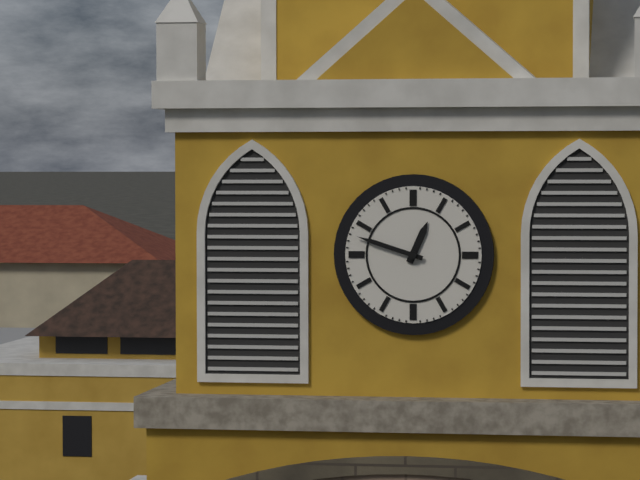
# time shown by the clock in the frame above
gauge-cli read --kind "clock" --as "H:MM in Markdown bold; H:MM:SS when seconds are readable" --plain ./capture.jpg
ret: **12:48**
